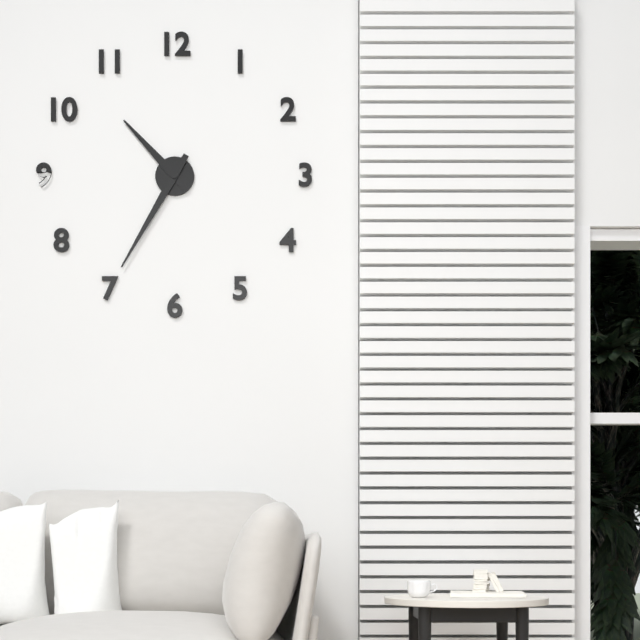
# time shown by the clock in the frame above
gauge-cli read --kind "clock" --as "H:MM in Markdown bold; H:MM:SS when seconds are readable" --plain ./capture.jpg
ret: **10:35**
